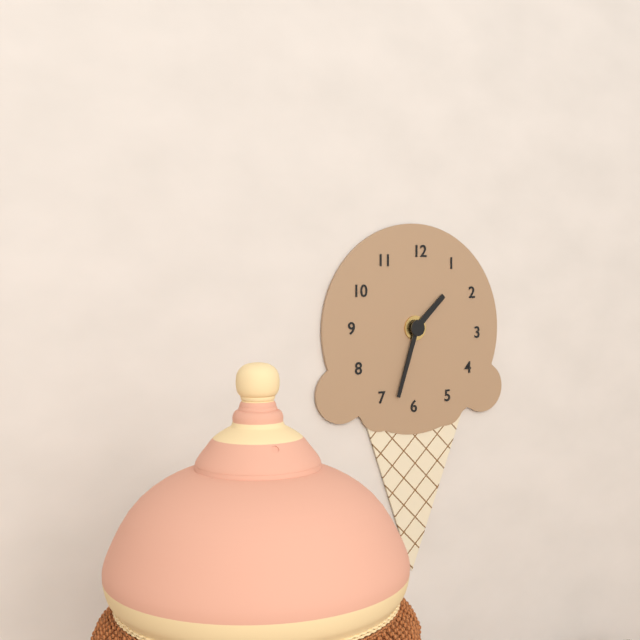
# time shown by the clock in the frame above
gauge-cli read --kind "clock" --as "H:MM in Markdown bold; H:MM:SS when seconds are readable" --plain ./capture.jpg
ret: **1:33**
